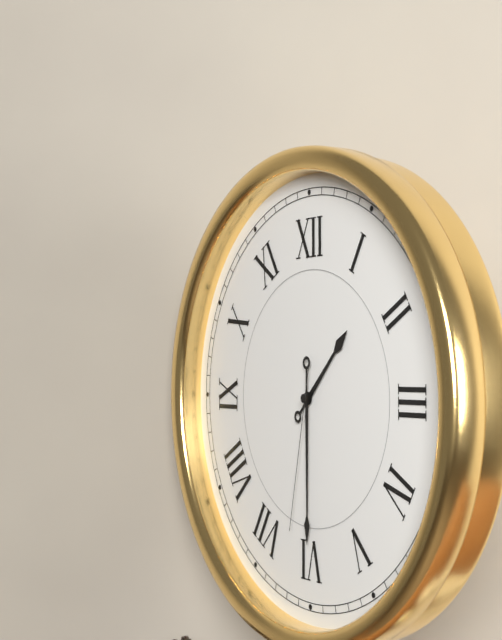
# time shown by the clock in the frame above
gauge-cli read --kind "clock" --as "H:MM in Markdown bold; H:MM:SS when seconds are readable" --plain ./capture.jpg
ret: **1:30:32**
